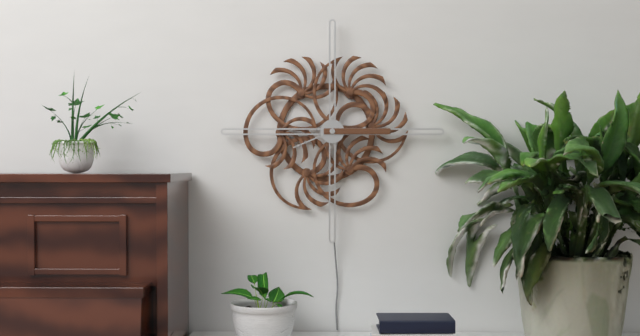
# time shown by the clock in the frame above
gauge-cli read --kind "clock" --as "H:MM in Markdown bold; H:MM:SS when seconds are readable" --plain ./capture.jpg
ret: **8:15**
